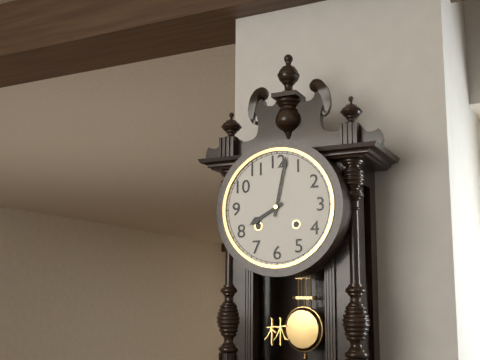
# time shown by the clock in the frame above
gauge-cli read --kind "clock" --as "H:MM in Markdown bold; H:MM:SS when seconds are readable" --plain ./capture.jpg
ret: **8:02**
